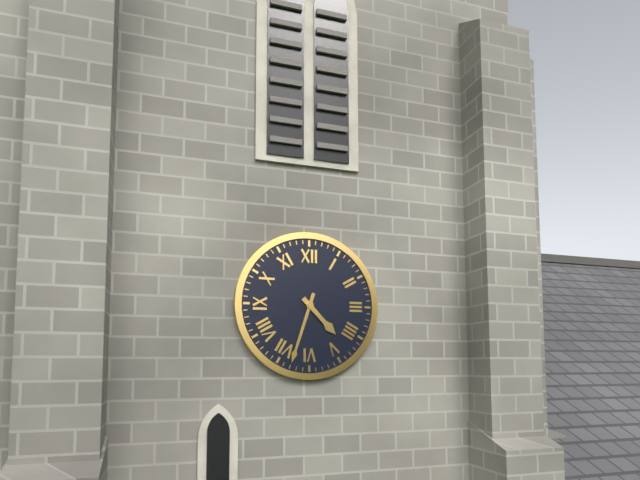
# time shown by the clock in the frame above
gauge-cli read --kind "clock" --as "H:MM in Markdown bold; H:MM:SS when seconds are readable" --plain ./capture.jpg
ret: **4:33**
